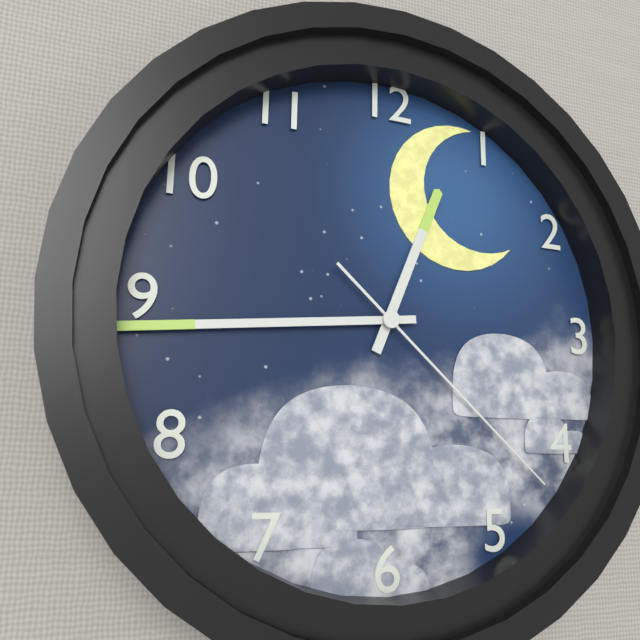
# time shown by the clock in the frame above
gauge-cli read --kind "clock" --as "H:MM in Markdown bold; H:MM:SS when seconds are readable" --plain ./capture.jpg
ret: **12:44:22**
